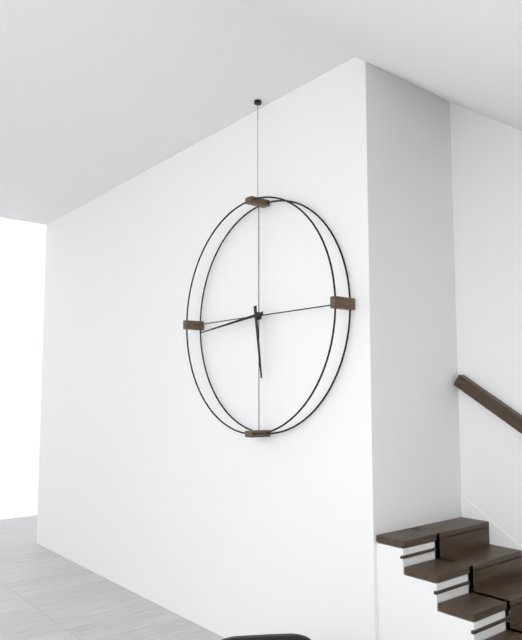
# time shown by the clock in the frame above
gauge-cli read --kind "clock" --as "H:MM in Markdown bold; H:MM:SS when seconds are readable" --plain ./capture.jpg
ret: **5:44**
